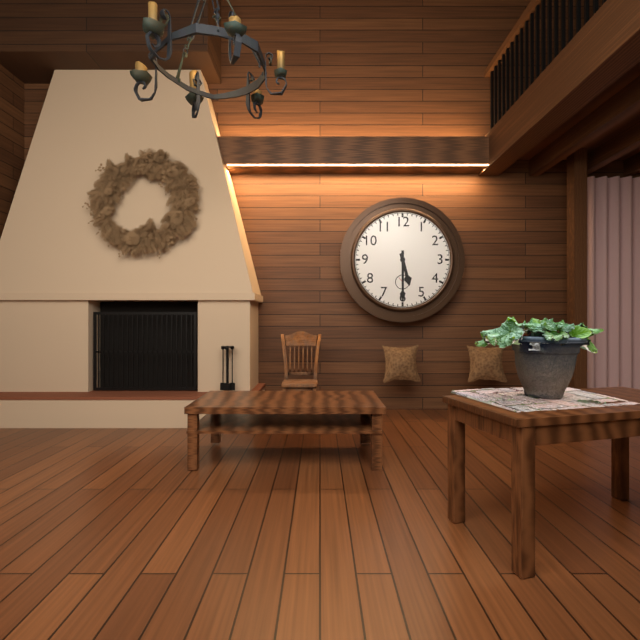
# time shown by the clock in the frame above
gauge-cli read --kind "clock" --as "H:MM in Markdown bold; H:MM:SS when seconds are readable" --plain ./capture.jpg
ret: **5:30**
